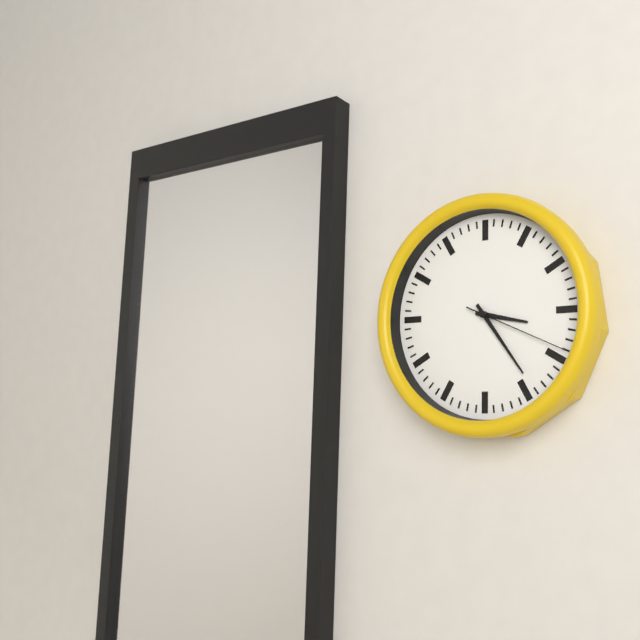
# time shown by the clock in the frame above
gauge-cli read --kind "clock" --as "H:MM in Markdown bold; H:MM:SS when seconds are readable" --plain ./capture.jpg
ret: **3:24:19**
